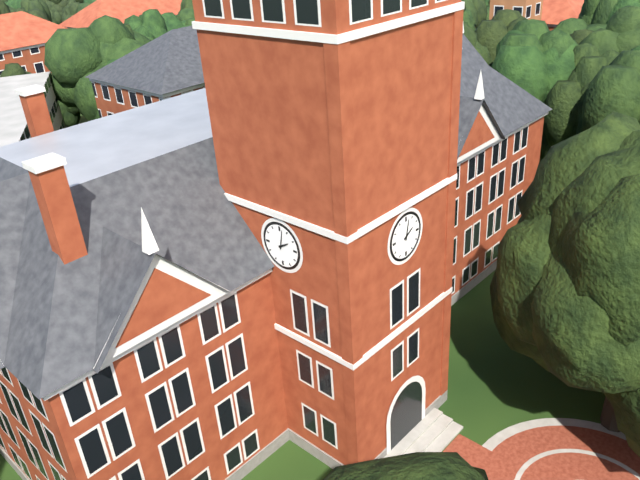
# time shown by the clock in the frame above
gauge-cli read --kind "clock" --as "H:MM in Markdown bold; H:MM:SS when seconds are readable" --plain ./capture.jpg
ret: **2:02**
